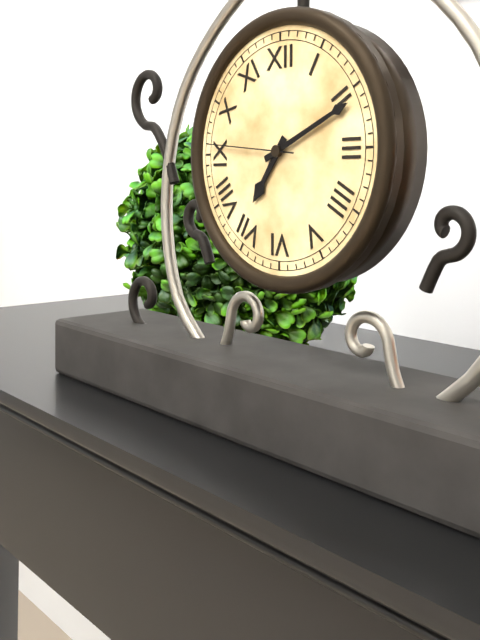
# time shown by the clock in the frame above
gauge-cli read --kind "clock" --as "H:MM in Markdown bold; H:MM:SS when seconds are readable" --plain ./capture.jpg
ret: **7:11:46**
